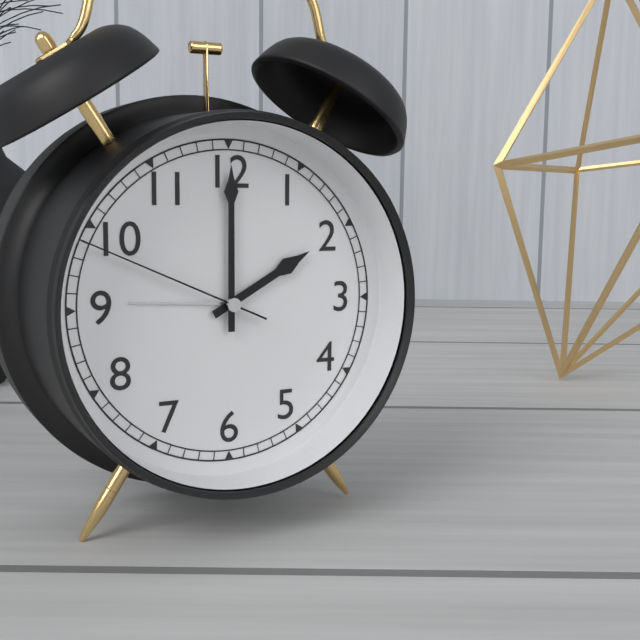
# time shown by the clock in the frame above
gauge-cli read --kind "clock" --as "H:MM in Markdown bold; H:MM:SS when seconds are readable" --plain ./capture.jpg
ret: **2:00:49**
